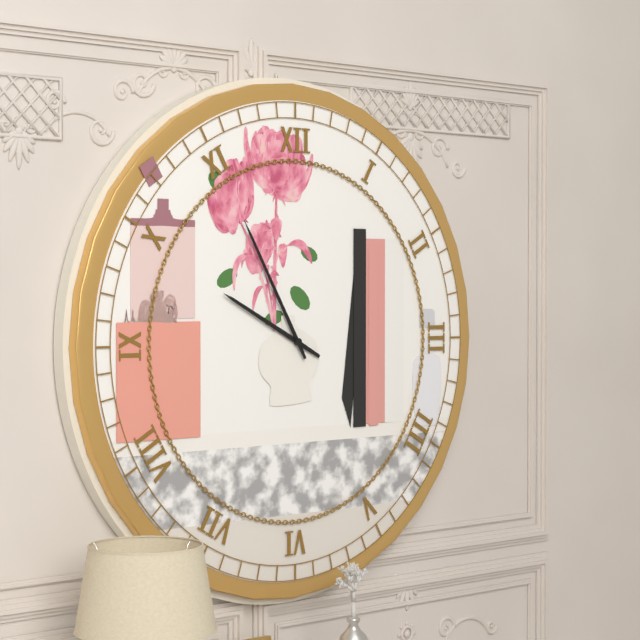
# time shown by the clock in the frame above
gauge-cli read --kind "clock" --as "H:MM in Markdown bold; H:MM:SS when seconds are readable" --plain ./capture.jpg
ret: **9:55**
